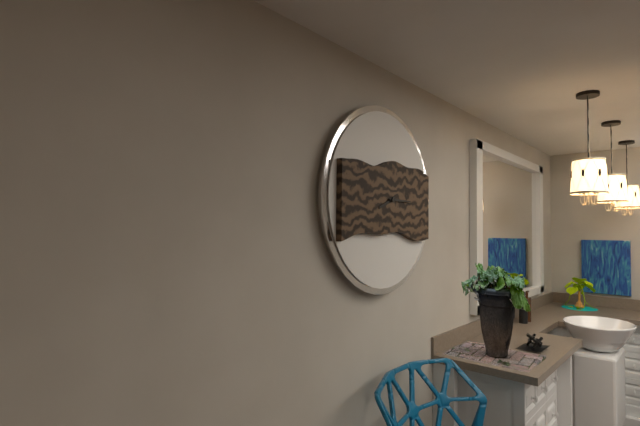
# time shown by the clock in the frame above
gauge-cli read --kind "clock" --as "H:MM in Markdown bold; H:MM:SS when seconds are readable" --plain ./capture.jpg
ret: **8:15**
